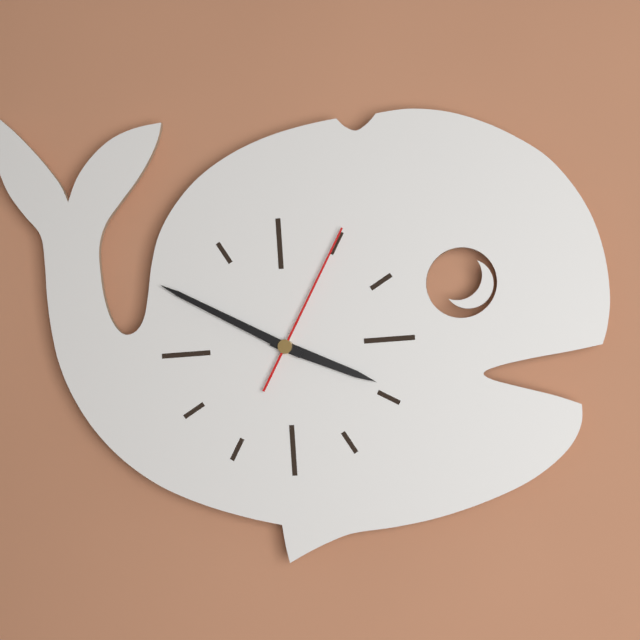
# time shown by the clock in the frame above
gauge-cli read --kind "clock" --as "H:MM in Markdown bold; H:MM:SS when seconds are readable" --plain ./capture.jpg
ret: **3:50:05**
